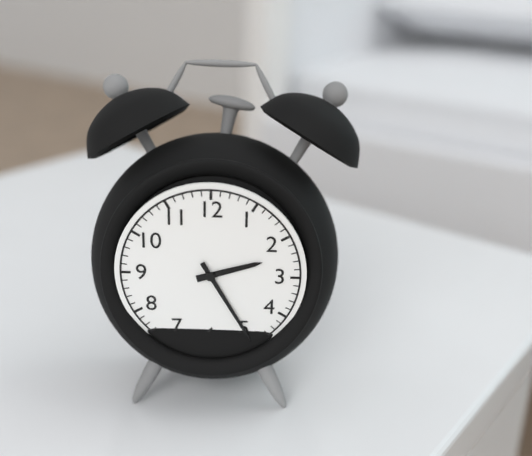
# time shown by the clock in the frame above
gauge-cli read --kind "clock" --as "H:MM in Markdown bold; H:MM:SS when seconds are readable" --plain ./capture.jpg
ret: **2:25**
